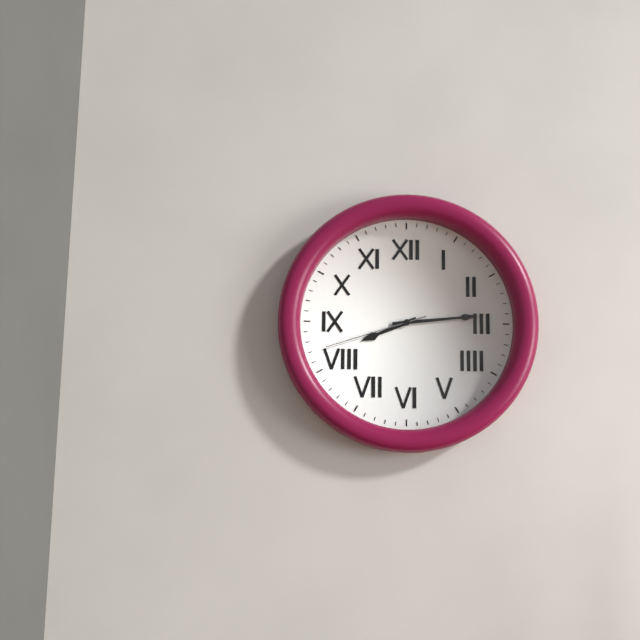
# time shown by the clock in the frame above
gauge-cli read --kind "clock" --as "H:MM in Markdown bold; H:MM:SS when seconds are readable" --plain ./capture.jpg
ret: **8:14:42**
